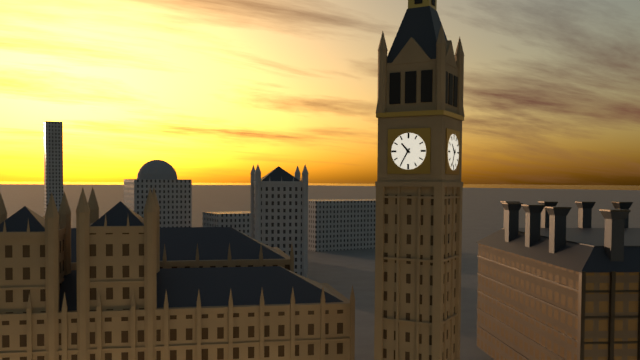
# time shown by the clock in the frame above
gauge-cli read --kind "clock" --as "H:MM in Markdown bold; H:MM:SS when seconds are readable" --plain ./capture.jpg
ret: **10:35**
